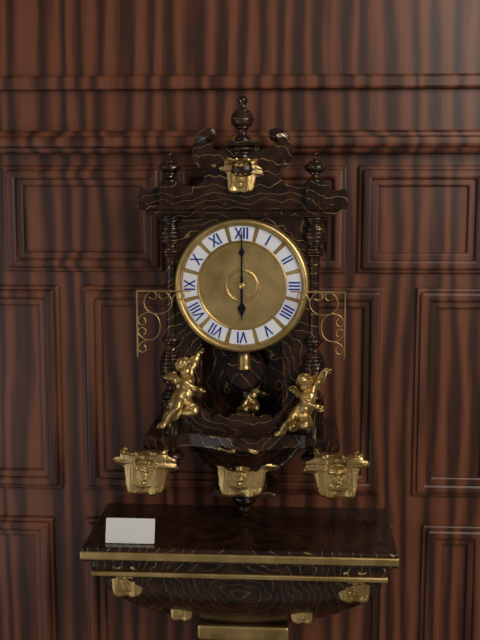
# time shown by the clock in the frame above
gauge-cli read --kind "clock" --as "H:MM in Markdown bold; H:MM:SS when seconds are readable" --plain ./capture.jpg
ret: **6:00**
